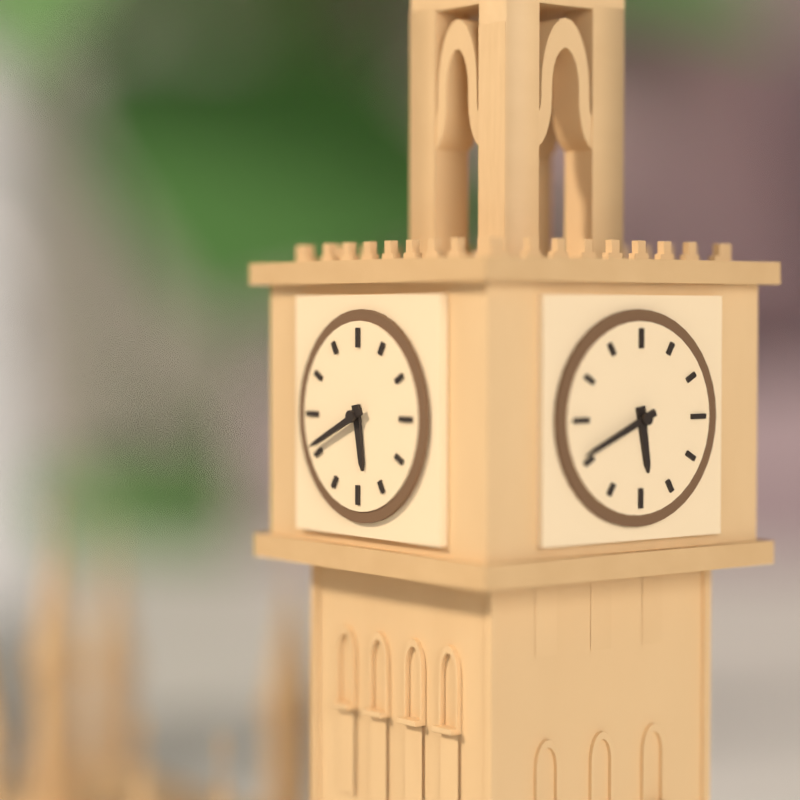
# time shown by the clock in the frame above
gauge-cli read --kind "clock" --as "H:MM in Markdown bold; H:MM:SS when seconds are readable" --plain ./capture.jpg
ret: **5:41**
